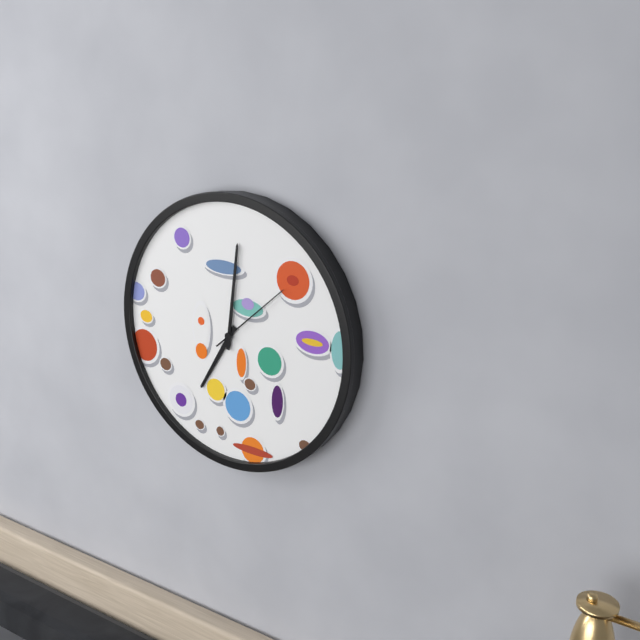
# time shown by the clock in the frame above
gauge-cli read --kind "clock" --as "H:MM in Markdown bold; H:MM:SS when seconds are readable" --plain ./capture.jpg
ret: **7:01:08**
